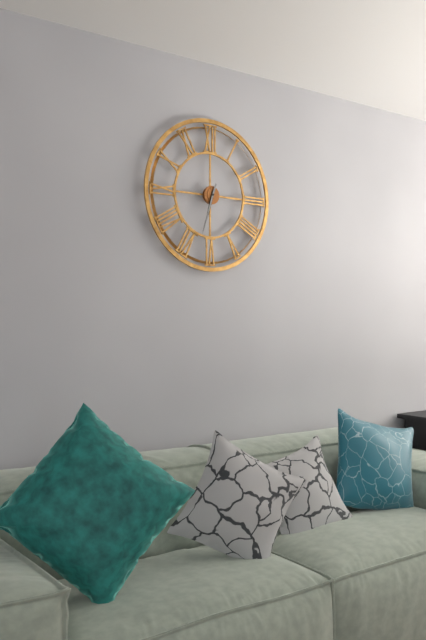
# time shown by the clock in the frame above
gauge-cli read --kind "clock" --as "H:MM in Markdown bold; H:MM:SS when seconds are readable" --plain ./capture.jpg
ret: **6:33**
